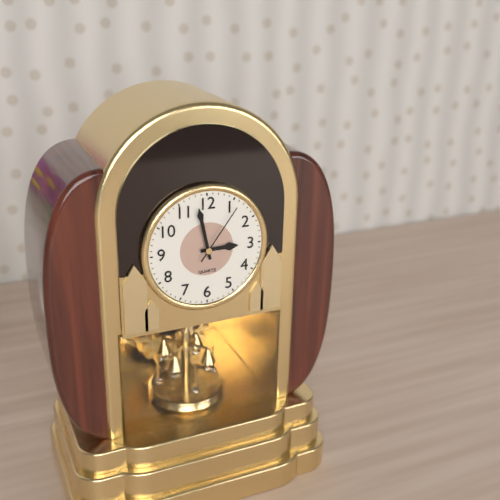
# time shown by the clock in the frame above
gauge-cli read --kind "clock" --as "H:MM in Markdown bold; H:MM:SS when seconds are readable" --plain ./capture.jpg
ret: **2:58:06**
